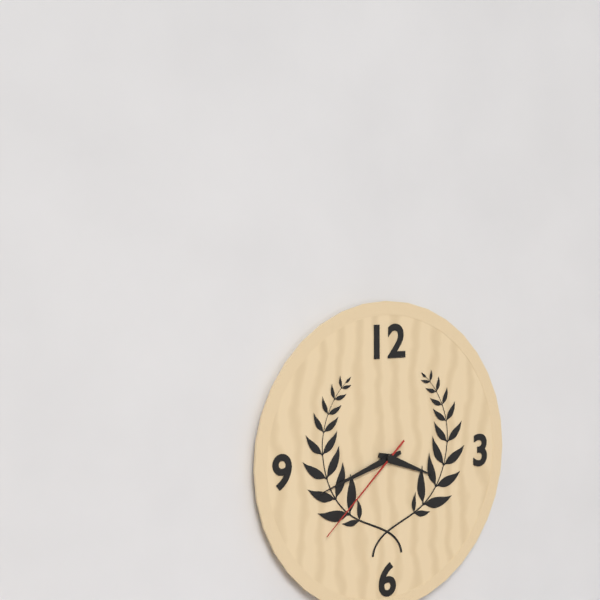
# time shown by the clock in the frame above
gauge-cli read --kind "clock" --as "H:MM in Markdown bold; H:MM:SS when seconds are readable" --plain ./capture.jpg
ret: **3:42:38**
